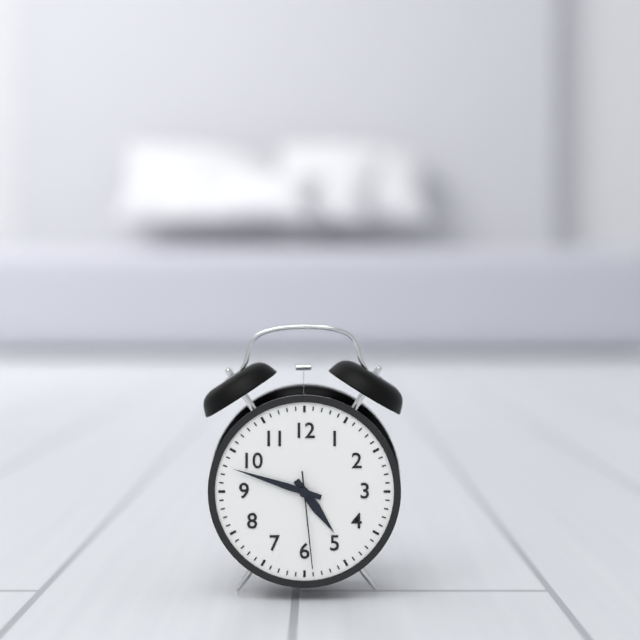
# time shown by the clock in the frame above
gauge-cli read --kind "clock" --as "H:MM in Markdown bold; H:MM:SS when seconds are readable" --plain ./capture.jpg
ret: **4:48:29**
